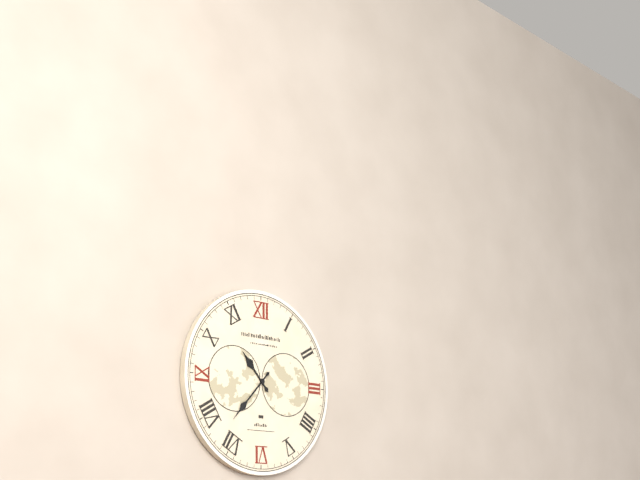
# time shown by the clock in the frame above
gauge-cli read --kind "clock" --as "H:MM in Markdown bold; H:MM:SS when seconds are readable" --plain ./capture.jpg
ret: **10:37**
